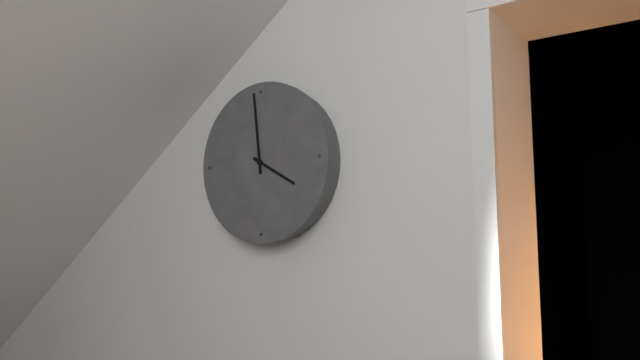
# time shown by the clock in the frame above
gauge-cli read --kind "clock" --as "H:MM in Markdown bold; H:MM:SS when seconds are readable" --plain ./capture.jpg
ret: **3:59**
